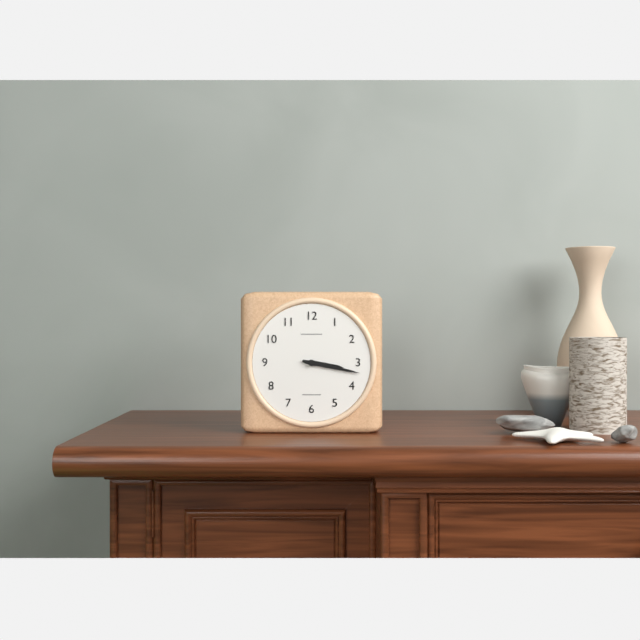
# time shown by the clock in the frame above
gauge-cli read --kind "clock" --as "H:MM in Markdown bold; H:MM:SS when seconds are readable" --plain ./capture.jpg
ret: **3:17**
